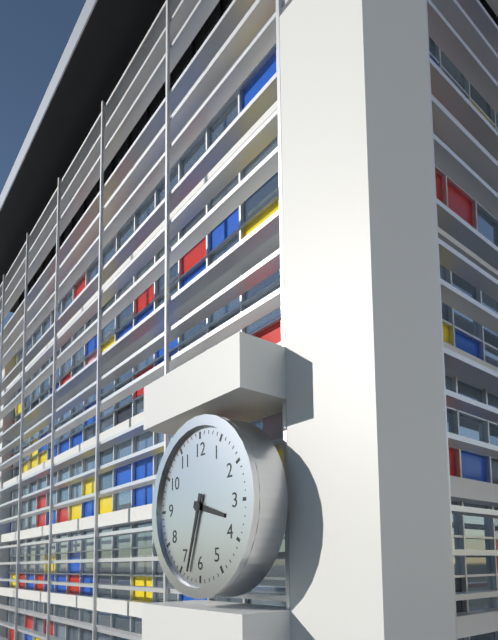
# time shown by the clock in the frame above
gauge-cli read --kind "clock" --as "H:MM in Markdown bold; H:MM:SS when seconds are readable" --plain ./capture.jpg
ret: **3:33**
